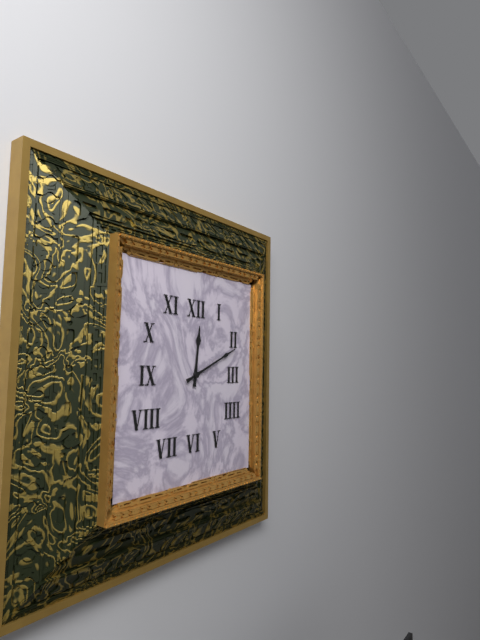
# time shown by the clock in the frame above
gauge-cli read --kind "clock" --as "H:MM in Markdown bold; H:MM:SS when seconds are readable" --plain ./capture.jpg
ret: **12:11**
